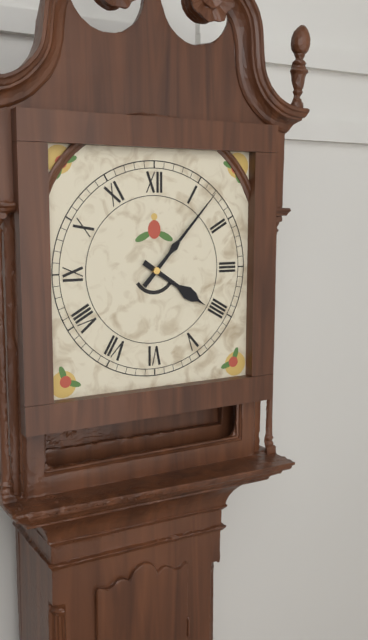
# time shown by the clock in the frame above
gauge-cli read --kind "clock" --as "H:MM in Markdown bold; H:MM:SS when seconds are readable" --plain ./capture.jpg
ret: **4:07**
